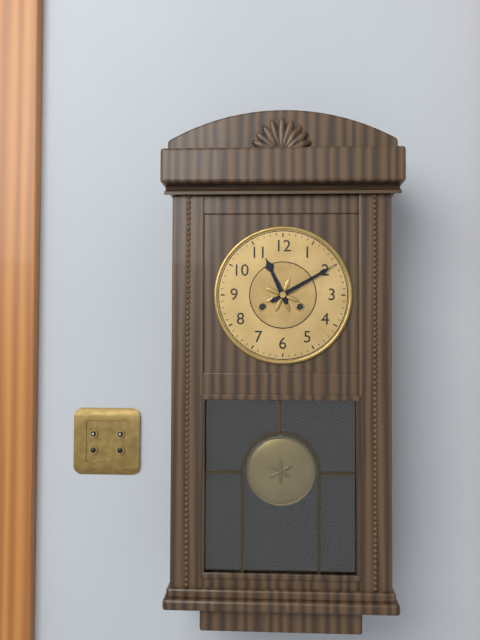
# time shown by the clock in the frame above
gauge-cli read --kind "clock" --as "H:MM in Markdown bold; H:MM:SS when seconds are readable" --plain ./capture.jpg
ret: **11:10**
